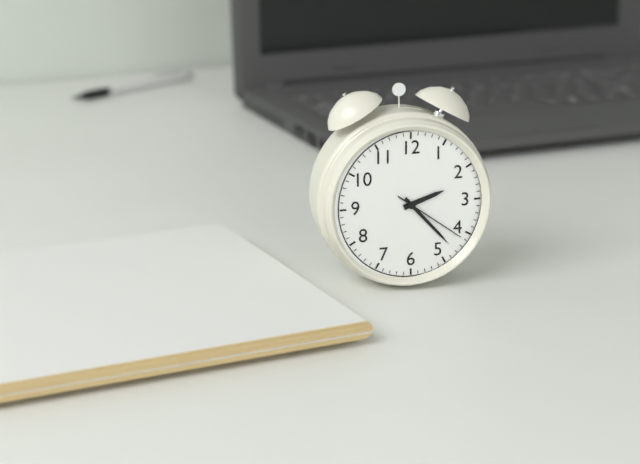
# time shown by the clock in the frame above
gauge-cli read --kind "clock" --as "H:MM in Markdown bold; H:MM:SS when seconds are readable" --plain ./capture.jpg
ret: **2:23:21**
